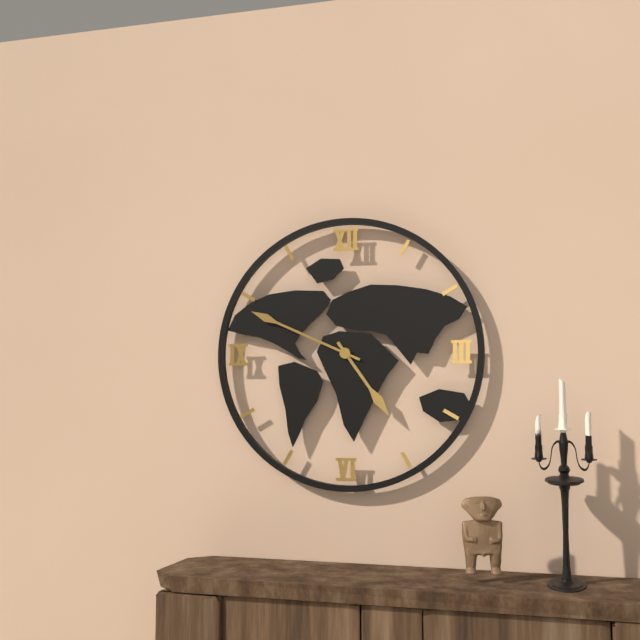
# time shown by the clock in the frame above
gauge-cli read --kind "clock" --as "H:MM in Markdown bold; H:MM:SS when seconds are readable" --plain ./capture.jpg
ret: **4:49**
